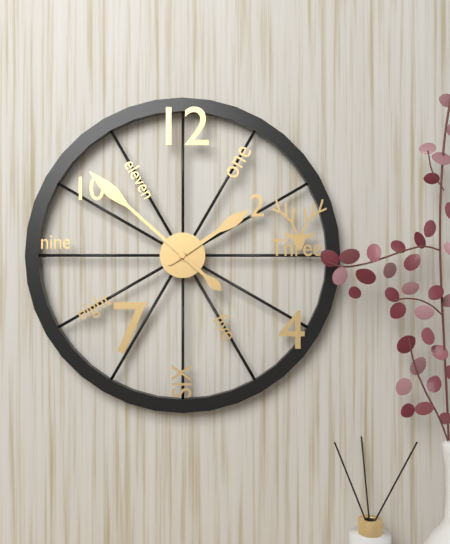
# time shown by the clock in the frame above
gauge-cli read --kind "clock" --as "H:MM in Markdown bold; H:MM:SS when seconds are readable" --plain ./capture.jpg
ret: **1:52**
